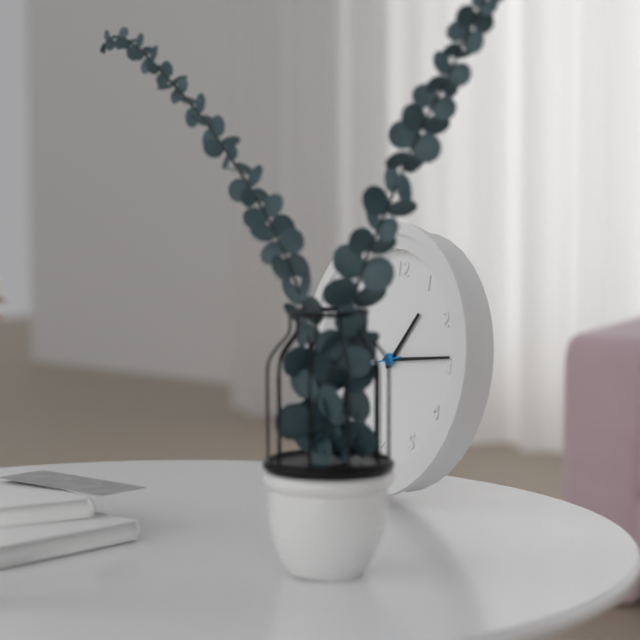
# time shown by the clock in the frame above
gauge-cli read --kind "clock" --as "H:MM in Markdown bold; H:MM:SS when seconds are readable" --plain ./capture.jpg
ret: **1:14**
